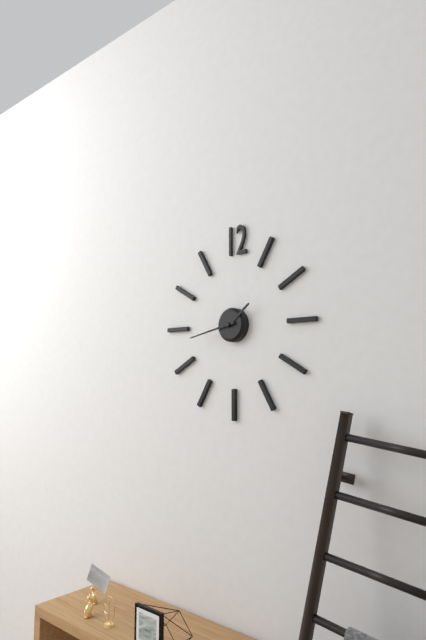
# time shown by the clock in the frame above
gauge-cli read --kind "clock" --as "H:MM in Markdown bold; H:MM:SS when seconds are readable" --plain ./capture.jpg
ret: **1:43**
